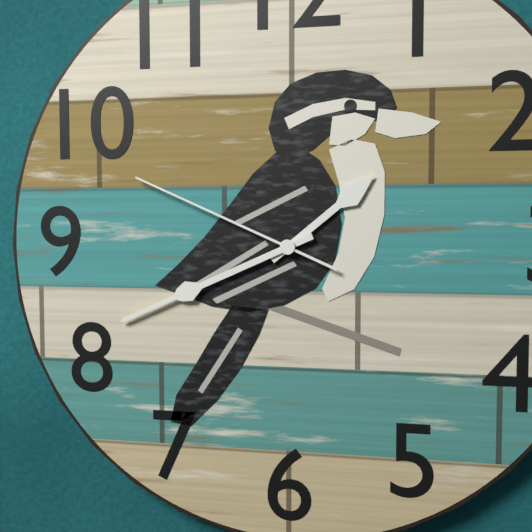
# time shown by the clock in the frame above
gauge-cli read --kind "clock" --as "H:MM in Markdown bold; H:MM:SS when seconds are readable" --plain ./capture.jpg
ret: **1:41:49**
